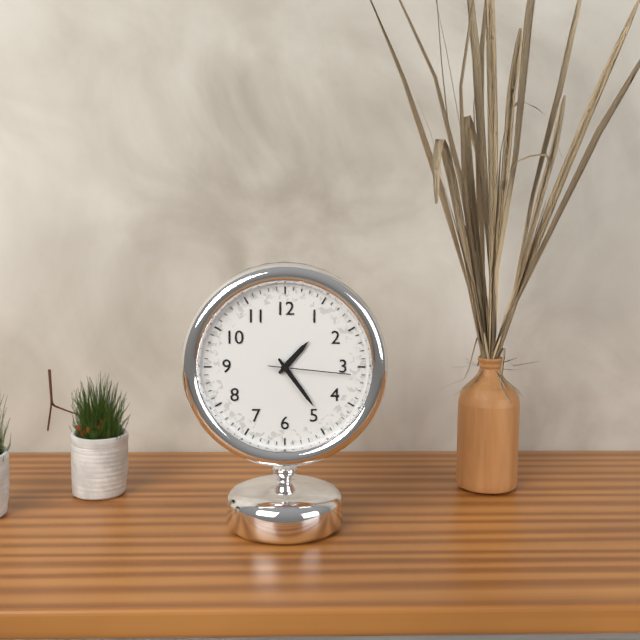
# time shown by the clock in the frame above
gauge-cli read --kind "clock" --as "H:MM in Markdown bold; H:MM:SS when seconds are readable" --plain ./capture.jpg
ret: **1:24:16**
